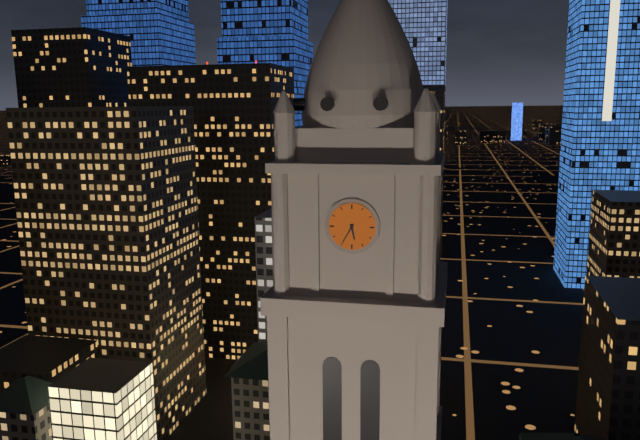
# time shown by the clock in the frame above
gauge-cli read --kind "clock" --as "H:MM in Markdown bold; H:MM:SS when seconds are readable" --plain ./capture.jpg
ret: **5:35**
